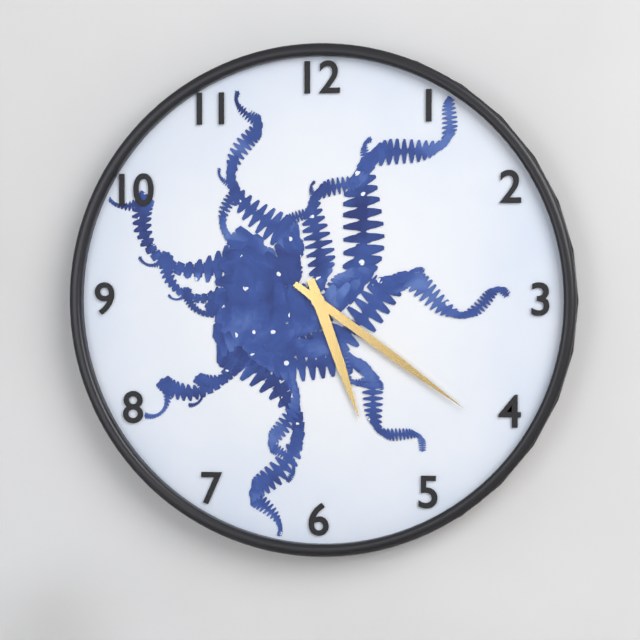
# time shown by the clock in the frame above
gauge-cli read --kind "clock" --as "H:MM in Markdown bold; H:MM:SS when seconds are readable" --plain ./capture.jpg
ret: **5:21**
